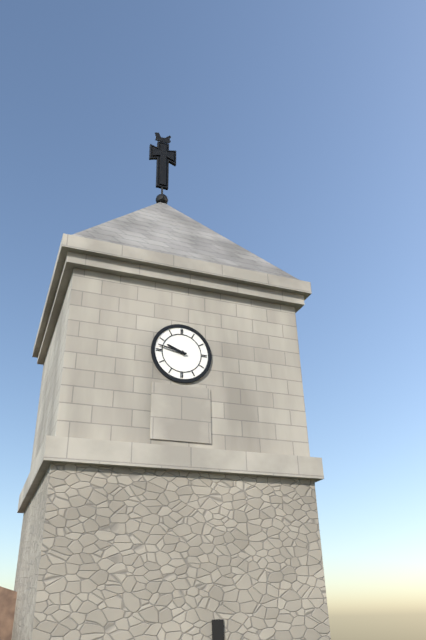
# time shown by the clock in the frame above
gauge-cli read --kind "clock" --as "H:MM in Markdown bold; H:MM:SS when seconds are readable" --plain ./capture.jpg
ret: **9:47**
